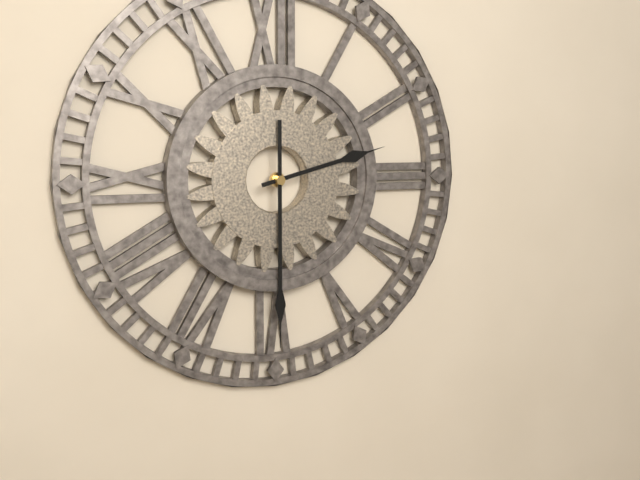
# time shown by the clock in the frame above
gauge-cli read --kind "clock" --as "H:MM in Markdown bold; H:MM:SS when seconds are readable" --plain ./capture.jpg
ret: **2:30**
